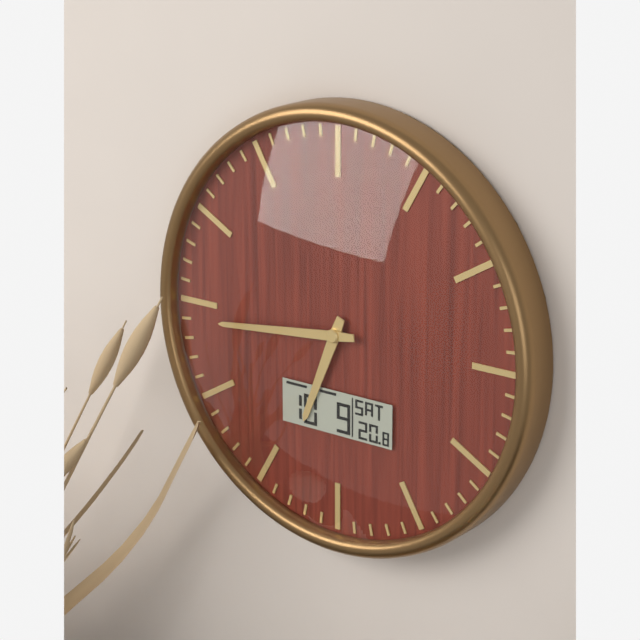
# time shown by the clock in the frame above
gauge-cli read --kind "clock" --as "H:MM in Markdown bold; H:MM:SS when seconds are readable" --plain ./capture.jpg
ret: **6:44**
